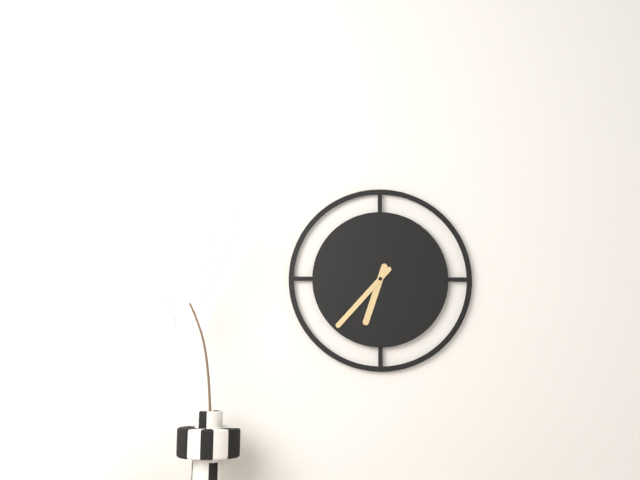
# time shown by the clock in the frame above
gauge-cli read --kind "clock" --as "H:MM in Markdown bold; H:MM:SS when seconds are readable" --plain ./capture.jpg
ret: **6:37**
